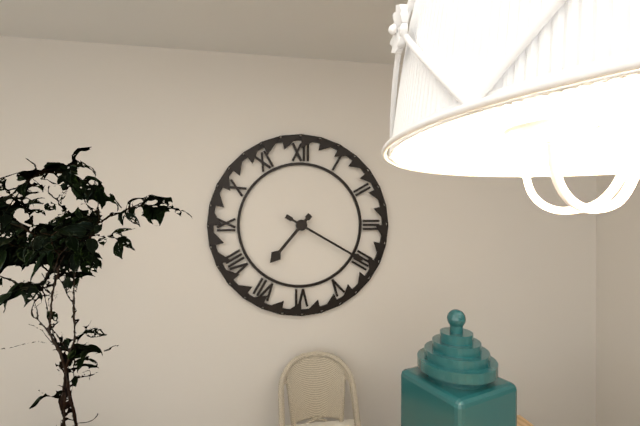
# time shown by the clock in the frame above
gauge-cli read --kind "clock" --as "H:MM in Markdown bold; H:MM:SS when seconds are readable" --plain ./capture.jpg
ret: **7:20**
